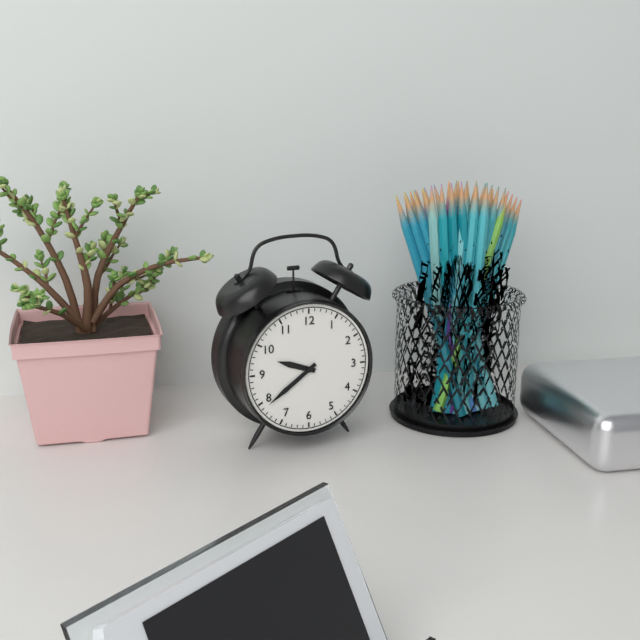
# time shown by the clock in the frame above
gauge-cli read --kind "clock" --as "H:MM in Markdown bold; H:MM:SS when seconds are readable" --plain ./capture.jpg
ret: **9:39**
